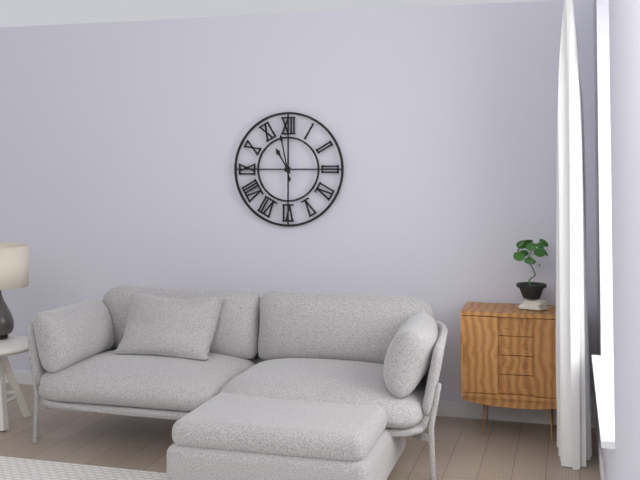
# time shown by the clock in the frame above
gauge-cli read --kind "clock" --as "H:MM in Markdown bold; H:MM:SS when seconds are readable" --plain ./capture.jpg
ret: **10:58**
